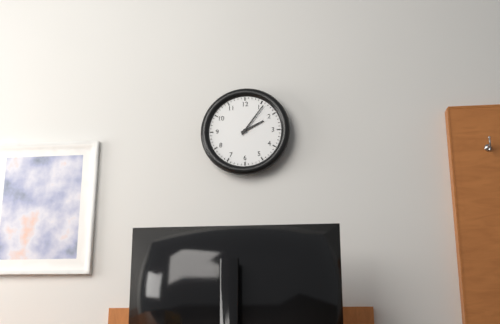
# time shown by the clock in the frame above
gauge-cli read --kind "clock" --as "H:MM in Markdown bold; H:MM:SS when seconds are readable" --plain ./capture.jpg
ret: **2:06**
